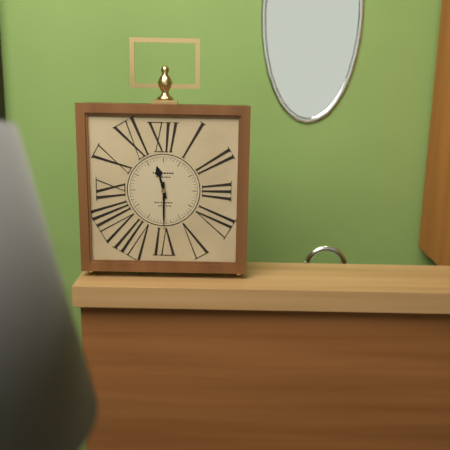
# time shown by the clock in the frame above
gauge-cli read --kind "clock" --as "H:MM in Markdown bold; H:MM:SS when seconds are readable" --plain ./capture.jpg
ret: **11:30**
